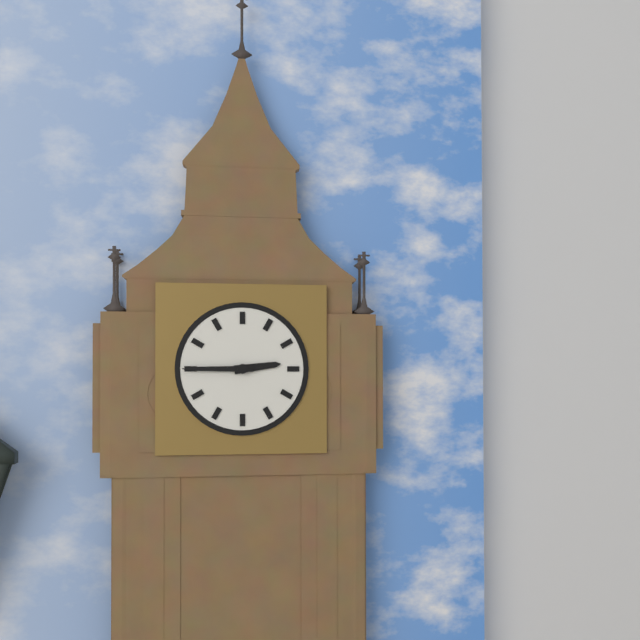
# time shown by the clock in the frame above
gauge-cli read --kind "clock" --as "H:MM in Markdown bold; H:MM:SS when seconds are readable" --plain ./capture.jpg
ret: **2:45**
